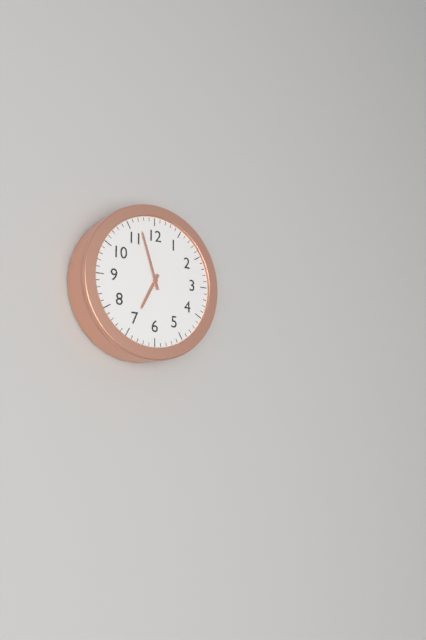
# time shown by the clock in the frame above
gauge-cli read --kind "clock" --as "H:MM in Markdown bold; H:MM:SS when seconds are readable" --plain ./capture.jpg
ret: **6:57**
